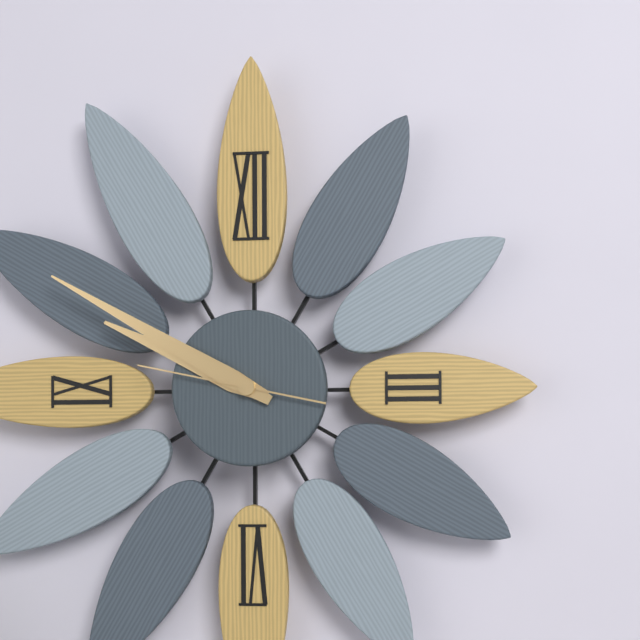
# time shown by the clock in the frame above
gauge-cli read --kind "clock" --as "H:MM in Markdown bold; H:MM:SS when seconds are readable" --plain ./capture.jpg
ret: **9:50:47**
